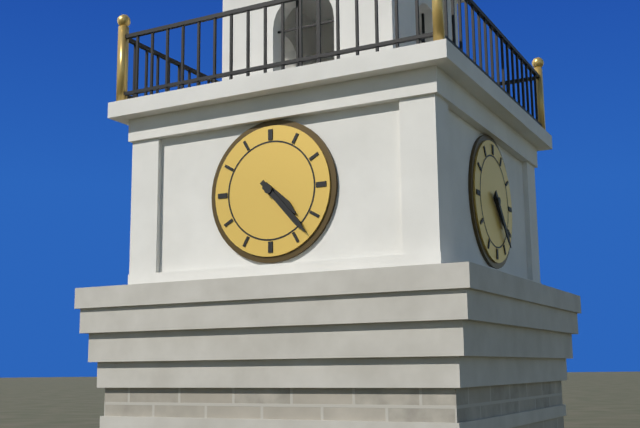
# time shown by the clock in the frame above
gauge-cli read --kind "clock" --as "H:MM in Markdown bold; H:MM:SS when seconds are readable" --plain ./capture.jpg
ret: **4:23**
